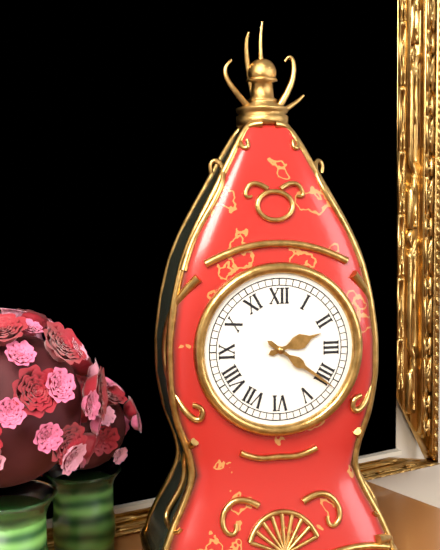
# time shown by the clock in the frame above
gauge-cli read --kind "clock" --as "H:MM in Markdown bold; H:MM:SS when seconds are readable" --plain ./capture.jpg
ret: **2:21**
